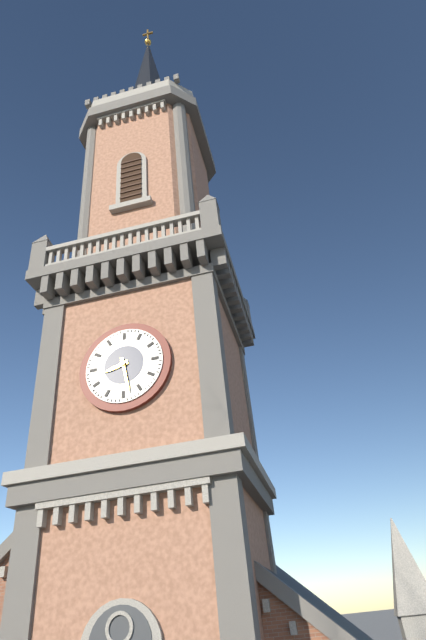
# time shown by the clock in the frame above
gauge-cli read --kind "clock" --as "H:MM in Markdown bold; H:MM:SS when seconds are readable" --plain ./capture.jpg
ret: **8:28**
